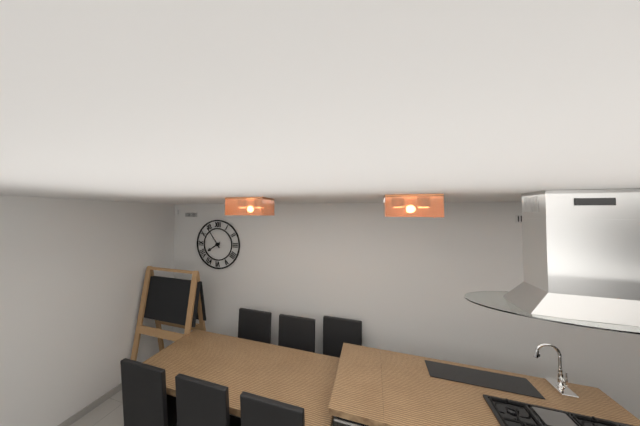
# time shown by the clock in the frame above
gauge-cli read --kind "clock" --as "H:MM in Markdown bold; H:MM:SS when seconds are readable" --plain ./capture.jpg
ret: **7:54**
